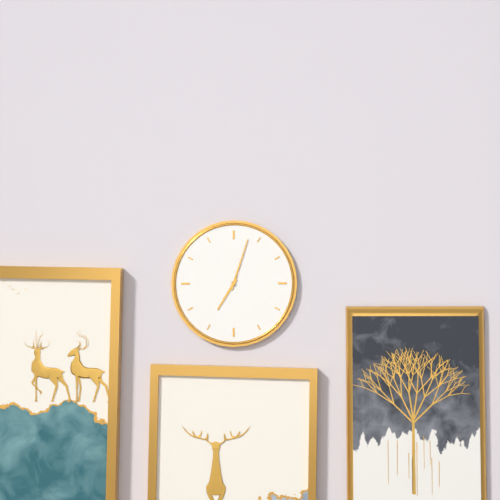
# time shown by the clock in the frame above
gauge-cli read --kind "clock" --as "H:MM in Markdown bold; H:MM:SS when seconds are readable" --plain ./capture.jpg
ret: **7:03**
